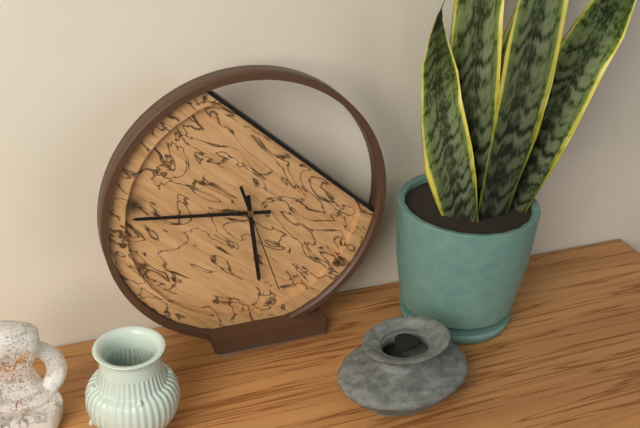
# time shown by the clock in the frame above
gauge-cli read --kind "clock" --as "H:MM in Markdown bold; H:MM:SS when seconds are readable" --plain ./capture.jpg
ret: **5:46:27**
